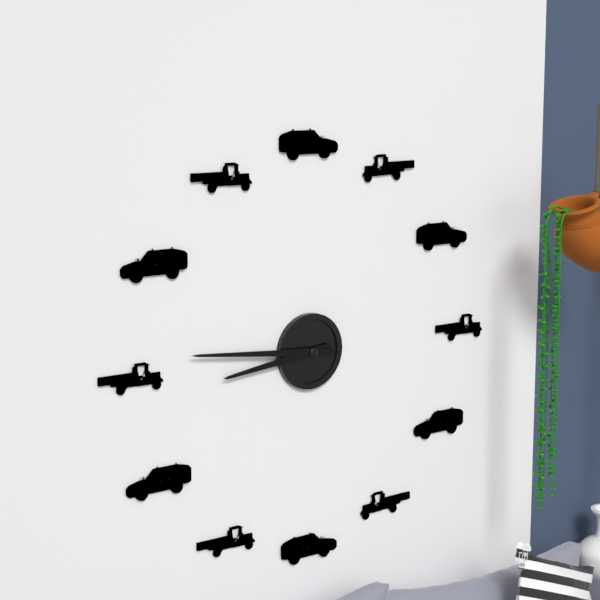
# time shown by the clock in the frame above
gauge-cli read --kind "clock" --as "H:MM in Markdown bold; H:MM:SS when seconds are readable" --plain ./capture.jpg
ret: **8:46**
